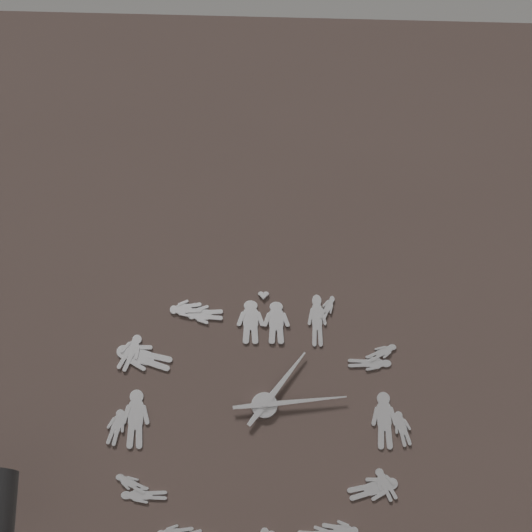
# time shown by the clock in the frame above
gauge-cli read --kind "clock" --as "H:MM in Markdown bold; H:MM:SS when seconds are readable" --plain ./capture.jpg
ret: **1:14**
